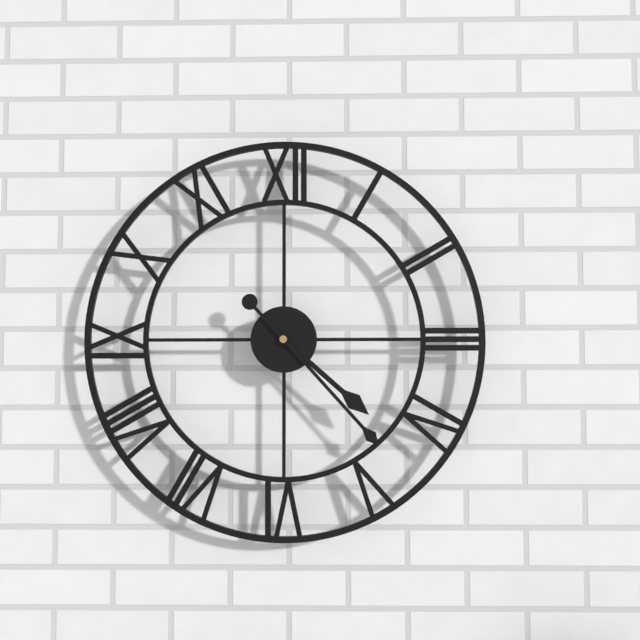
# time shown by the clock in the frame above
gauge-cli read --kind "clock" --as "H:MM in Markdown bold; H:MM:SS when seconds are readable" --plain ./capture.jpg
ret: **4:23**
